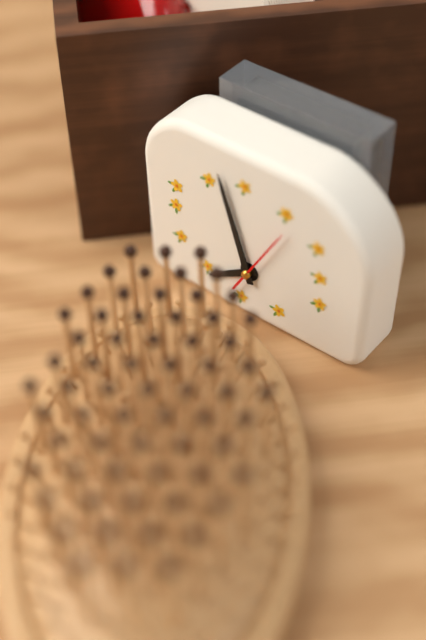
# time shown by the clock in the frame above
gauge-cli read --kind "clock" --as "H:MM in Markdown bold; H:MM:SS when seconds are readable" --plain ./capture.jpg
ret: **7:57:05**
